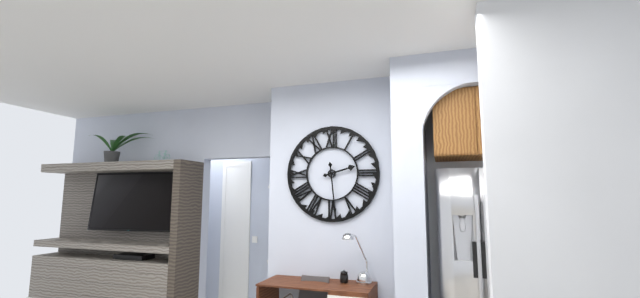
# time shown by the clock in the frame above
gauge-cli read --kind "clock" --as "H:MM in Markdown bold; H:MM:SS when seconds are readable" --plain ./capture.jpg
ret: **2:29**
